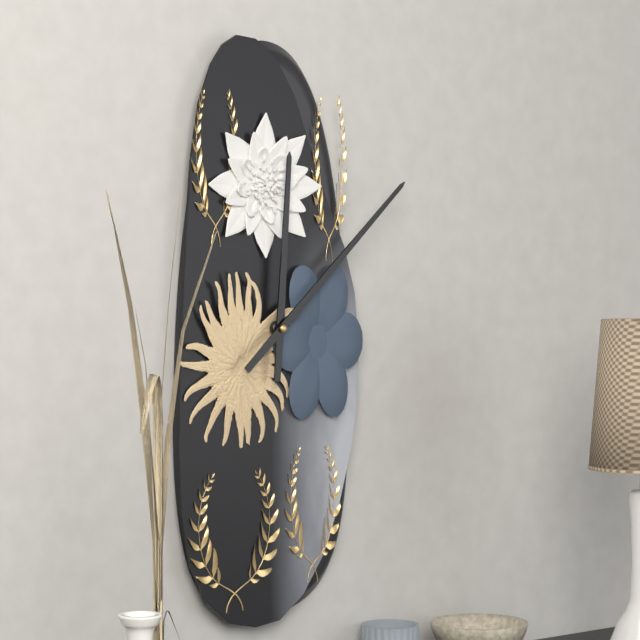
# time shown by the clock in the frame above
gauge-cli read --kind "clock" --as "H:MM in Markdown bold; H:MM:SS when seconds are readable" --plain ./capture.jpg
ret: **12:08**
